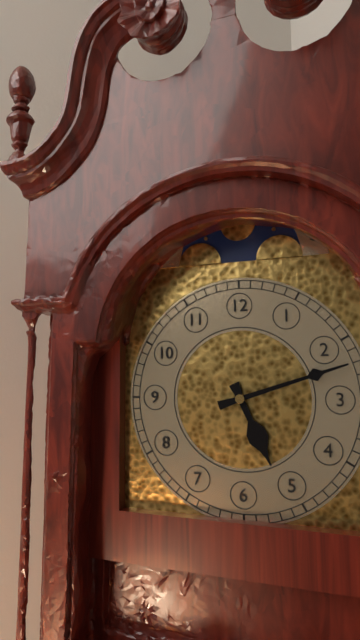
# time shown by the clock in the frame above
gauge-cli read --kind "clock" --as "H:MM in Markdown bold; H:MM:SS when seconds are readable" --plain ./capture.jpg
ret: **5:12**
